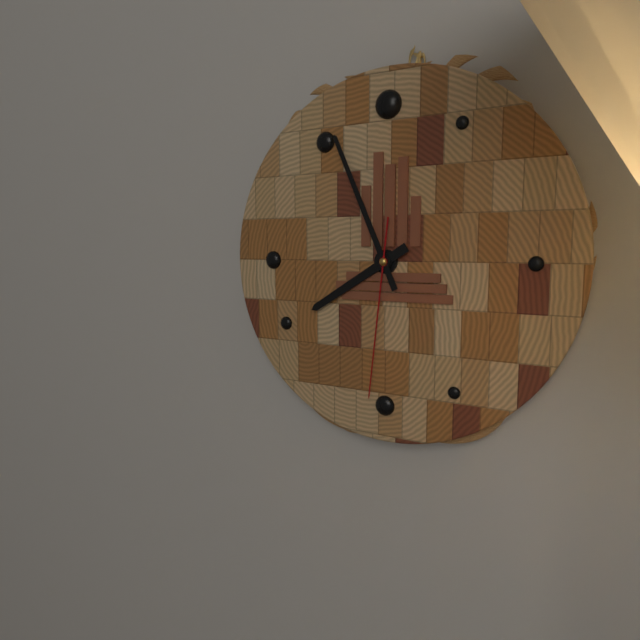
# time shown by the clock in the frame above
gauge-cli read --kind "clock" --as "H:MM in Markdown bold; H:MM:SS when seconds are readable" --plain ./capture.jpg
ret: **7:56:31**
